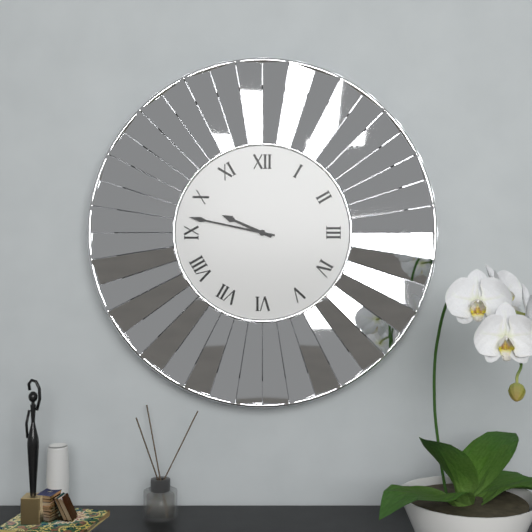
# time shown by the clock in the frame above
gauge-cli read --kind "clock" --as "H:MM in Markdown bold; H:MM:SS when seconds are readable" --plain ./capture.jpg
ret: **9:47**
